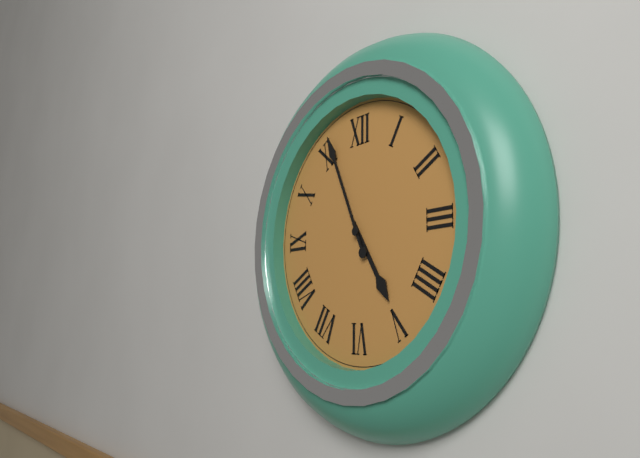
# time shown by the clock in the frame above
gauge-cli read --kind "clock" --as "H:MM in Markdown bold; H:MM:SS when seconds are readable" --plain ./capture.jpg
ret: **4:56**
